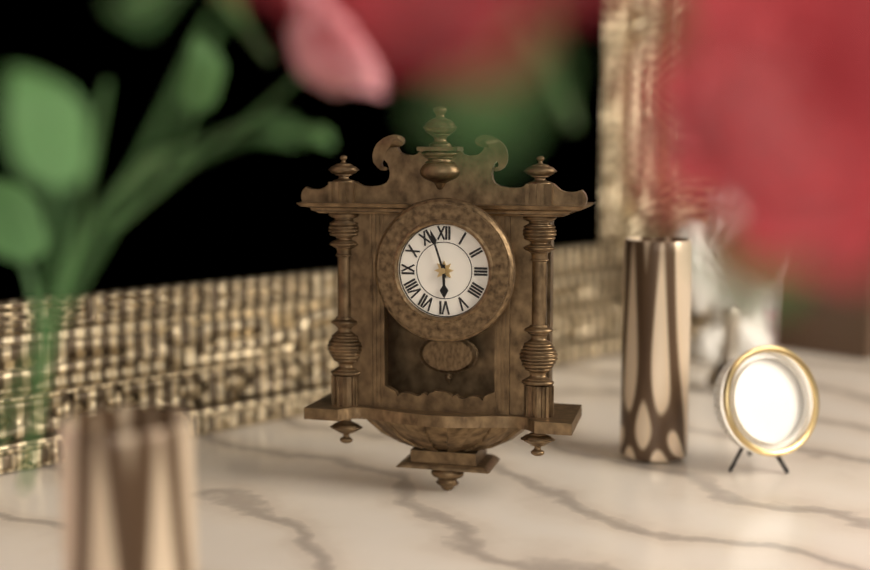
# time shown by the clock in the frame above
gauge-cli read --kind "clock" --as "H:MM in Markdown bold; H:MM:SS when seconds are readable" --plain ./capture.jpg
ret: **5:57**
